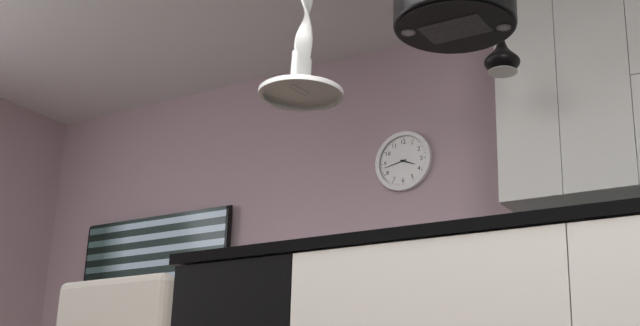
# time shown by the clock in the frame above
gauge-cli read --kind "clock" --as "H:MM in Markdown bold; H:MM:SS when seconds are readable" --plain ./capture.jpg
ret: **3:43**
